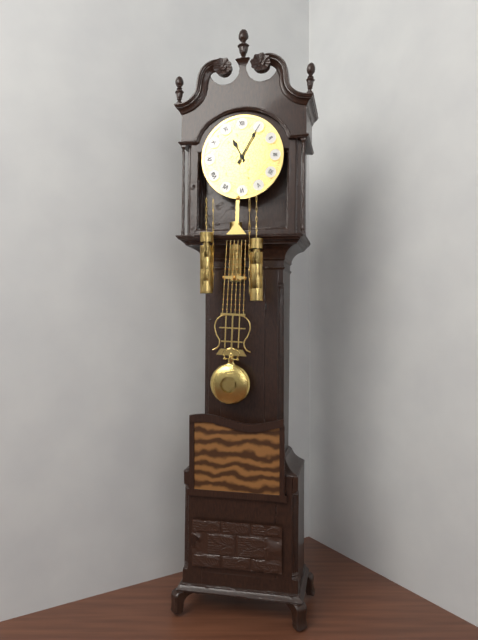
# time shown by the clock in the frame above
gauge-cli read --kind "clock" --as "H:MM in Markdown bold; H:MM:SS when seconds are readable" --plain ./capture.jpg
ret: **11:05**
